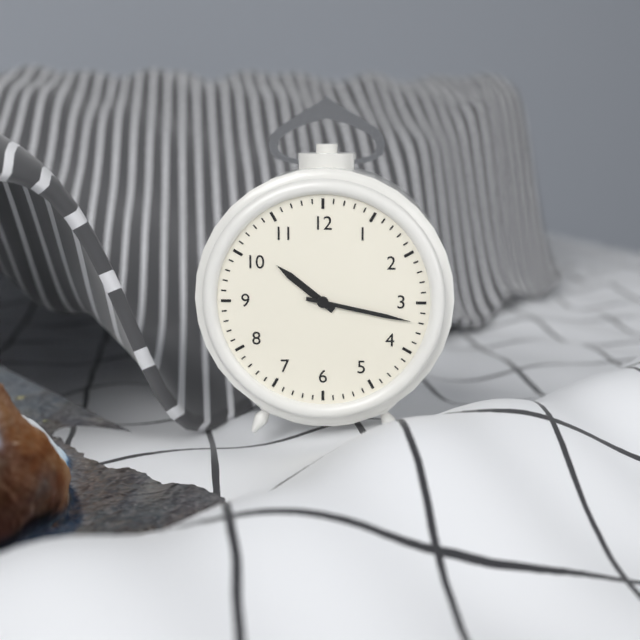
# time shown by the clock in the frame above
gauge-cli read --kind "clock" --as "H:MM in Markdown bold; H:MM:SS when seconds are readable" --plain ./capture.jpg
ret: **10:17**
